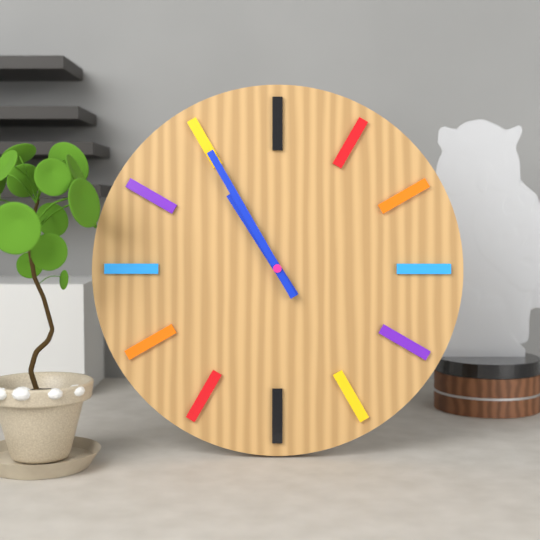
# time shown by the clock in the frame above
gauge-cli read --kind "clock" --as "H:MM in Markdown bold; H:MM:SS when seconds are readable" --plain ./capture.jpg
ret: **10:55**
